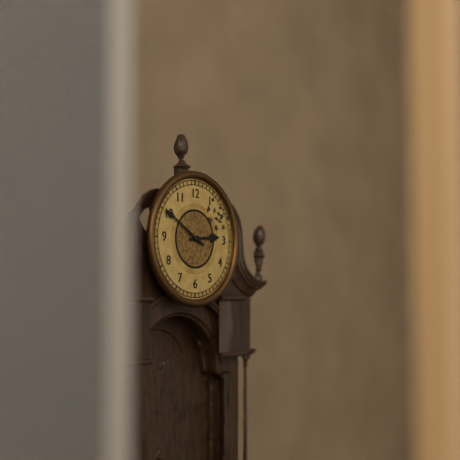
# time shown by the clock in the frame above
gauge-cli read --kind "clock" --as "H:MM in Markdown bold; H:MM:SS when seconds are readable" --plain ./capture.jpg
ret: **2:50**
